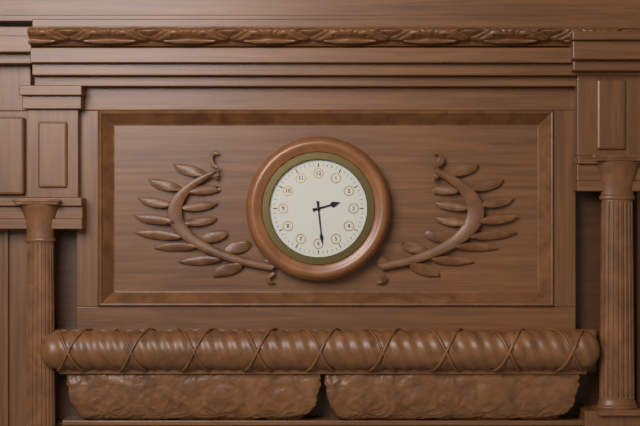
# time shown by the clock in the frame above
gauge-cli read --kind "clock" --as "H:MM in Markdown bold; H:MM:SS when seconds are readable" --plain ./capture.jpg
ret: **2:29**
